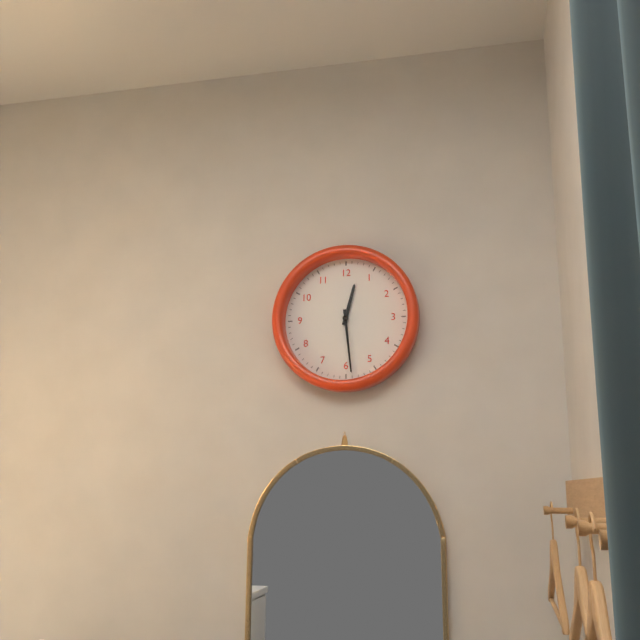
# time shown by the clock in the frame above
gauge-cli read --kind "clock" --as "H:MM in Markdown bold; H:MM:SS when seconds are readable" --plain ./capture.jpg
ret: **12:29**
